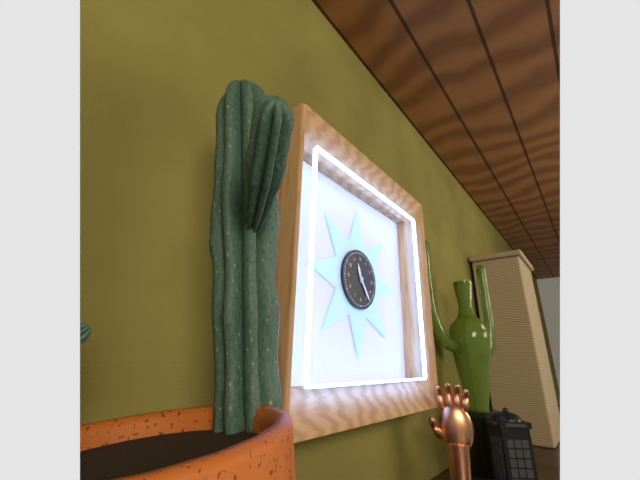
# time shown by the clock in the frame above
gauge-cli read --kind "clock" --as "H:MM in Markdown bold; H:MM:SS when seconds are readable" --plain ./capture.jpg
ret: **11:24**
